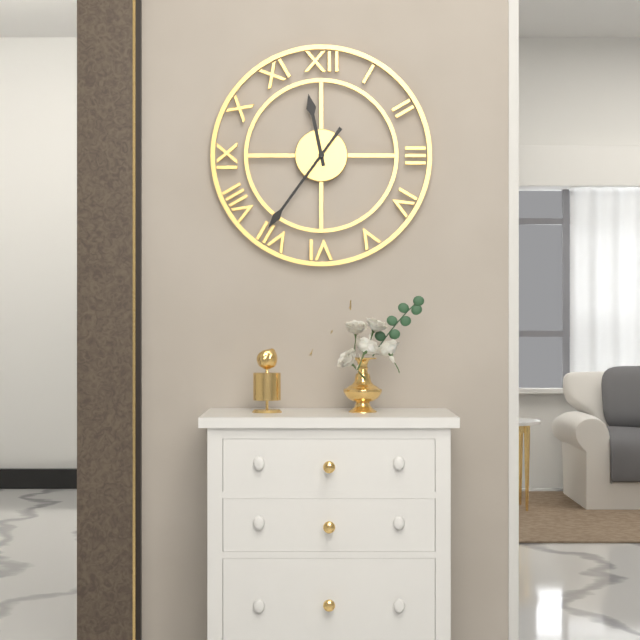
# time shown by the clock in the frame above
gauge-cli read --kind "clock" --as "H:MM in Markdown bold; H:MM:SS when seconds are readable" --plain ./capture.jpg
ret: **11:36**
